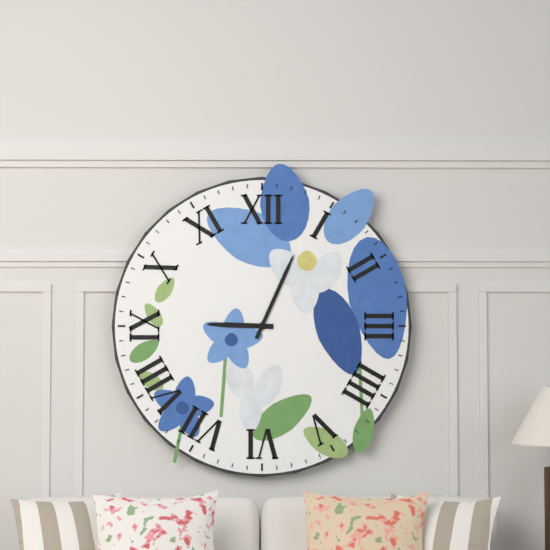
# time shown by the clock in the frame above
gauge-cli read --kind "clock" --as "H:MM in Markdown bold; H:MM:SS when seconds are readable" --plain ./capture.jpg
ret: **9:04**
